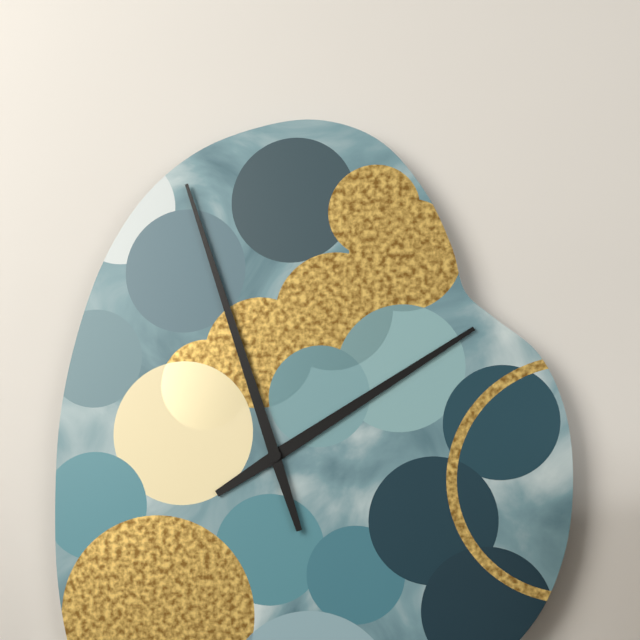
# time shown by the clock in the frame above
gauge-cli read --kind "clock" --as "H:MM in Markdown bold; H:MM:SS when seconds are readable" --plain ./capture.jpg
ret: **1:57**
